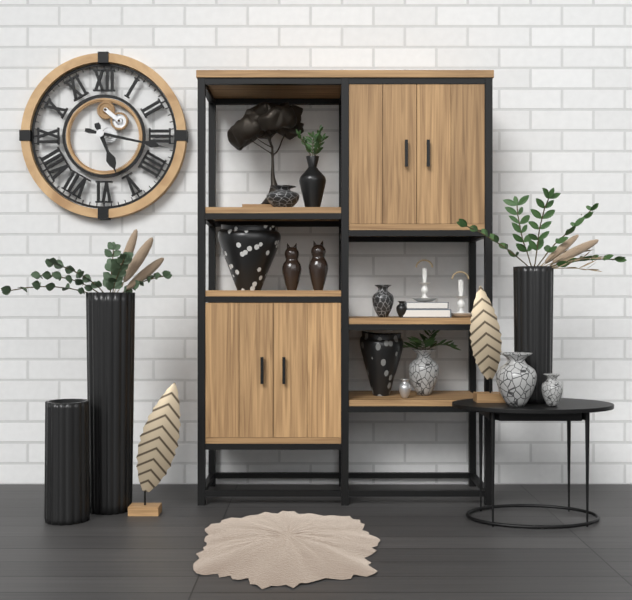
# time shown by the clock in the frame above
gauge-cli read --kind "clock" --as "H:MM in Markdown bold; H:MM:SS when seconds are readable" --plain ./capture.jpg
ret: **5:17**
